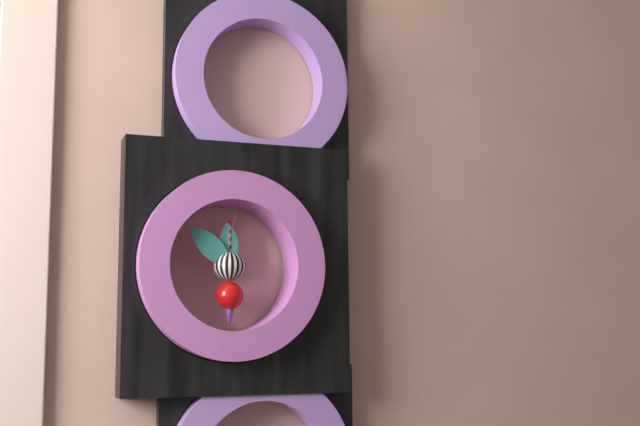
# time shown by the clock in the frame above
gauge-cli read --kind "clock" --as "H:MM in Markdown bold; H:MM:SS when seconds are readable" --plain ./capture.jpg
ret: **11:52**
